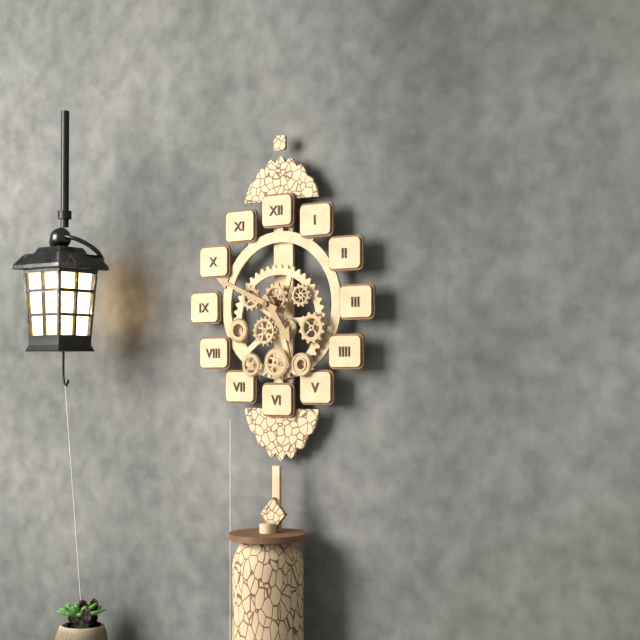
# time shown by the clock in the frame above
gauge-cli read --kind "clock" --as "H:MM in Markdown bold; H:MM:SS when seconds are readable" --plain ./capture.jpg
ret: **4:49**
